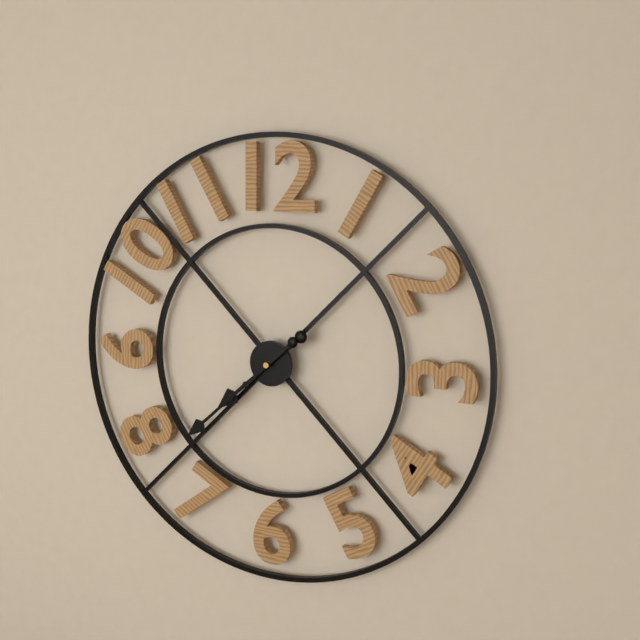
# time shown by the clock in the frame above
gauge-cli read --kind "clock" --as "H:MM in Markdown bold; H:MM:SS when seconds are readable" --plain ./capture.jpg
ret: **7:38**
